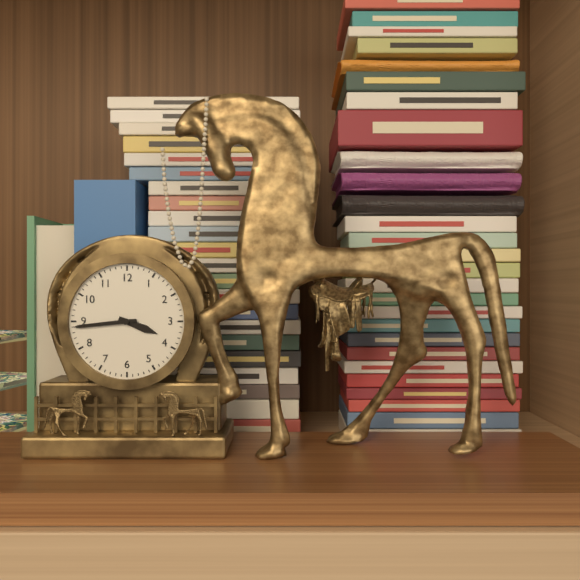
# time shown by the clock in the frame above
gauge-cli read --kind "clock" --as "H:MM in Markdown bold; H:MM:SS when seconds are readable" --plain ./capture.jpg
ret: **3:44**
